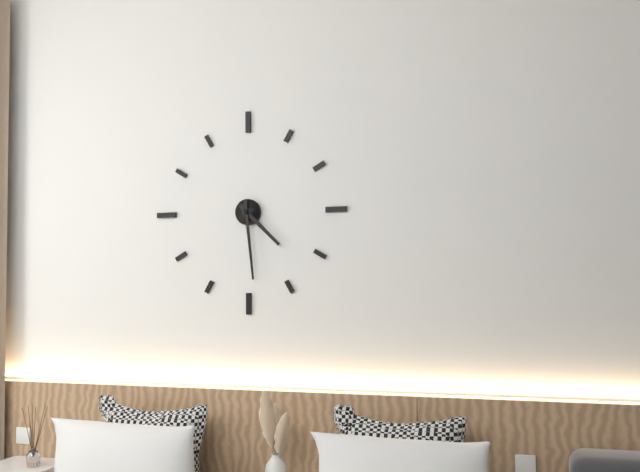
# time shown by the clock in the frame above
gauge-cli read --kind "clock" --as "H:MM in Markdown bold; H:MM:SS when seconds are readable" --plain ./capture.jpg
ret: **4:29**
